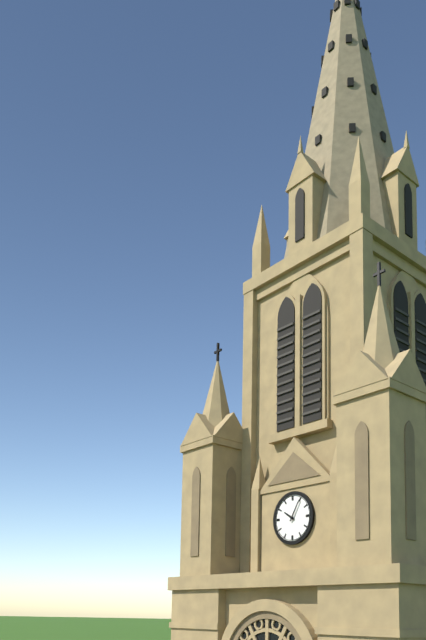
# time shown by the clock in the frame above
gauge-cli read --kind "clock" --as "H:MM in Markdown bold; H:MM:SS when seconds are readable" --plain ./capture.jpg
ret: **10:05**
